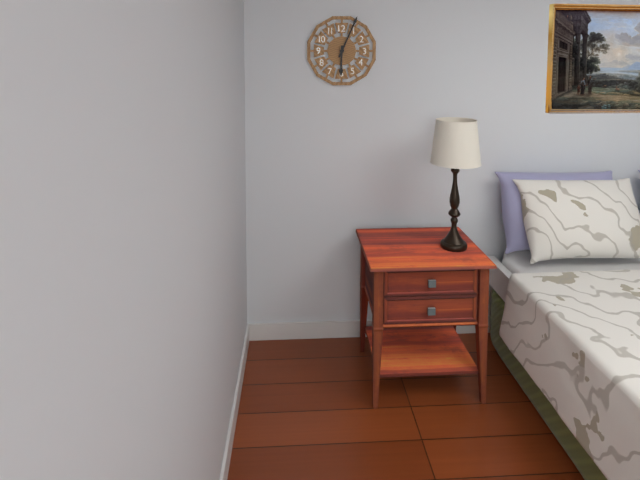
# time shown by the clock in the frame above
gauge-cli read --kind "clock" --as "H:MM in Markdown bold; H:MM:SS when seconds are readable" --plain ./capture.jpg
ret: **6:04**
